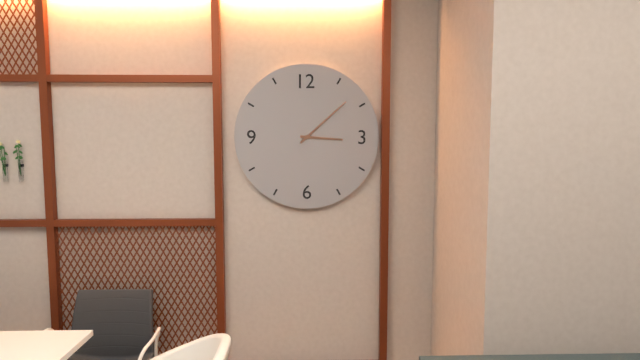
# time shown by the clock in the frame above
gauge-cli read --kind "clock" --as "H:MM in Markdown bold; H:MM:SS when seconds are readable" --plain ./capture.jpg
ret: **3:08**
